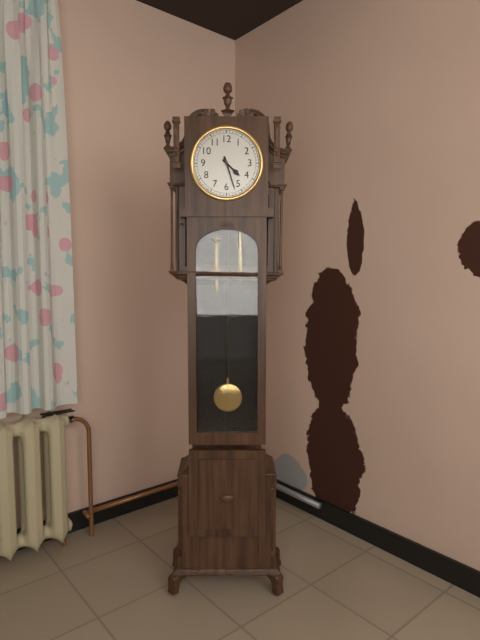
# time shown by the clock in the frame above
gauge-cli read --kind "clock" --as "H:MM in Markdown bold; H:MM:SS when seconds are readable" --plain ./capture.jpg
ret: **4:27**
